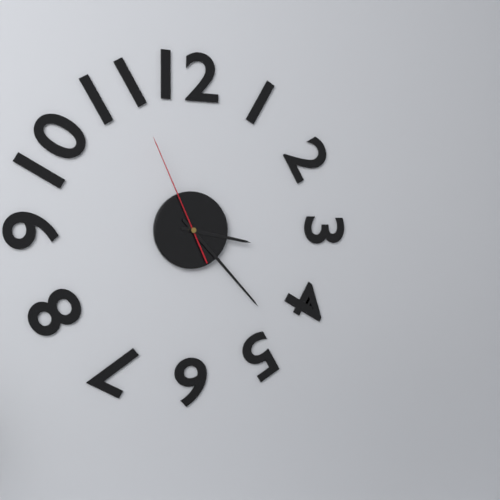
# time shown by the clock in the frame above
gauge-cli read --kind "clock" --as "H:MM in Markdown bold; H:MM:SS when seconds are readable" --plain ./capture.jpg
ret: **3:23:56**
